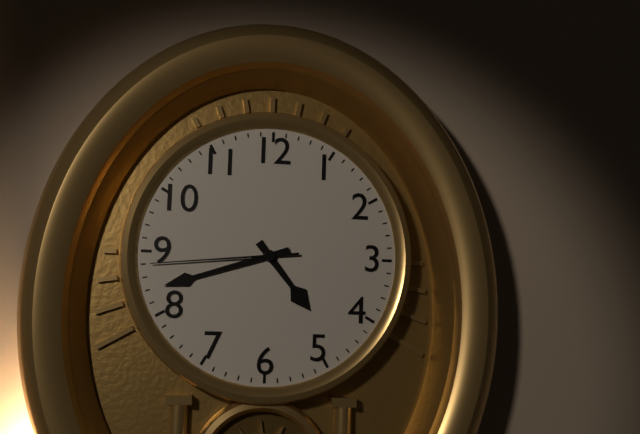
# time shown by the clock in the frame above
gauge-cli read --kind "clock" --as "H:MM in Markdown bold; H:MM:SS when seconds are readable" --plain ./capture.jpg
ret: **4:42:44**
